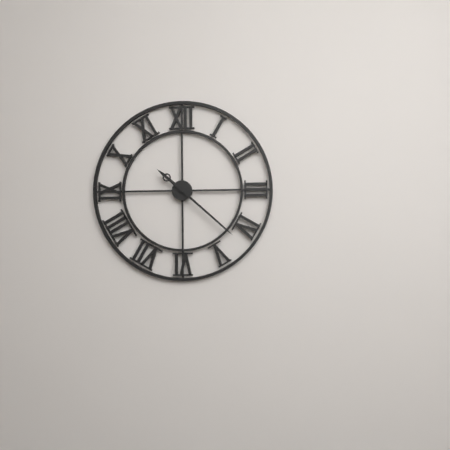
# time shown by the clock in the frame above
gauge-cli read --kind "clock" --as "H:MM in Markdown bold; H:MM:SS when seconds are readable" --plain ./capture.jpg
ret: **10:22**
